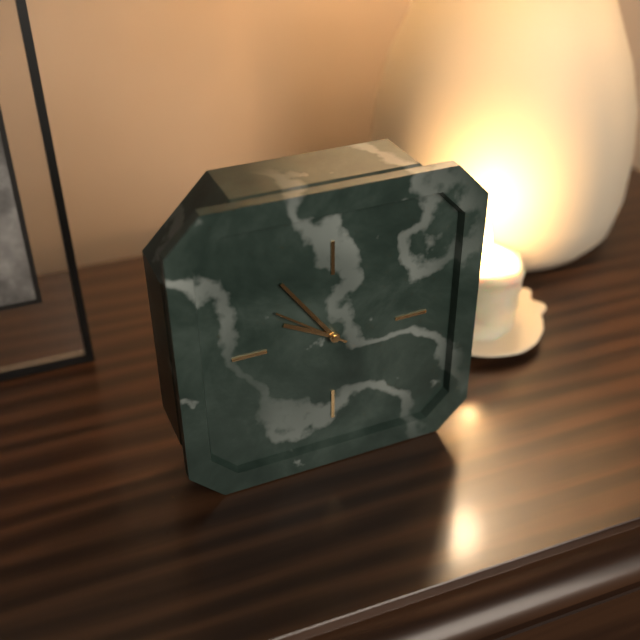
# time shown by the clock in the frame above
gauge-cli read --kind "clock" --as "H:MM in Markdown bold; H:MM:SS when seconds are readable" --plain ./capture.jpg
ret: **9:54:51**
